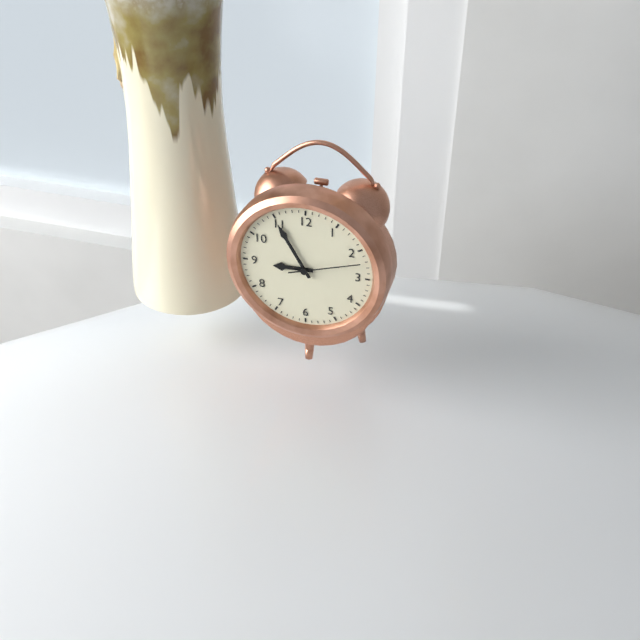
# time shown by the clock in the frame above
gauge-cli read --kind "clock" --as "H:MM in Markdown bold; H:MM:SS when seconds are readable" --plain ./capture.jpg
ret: **8:55:12**
